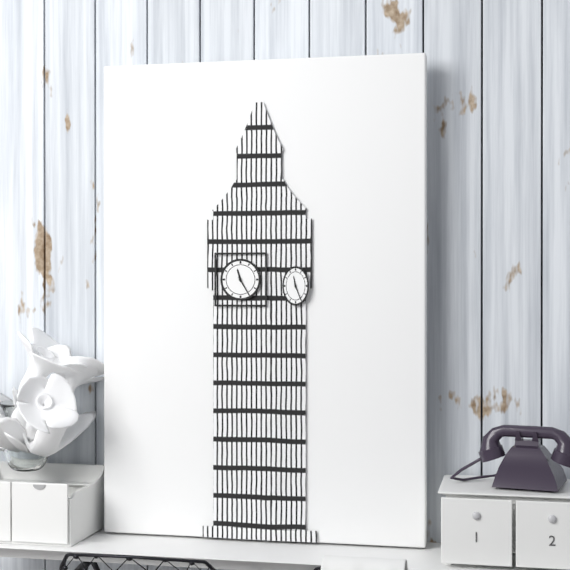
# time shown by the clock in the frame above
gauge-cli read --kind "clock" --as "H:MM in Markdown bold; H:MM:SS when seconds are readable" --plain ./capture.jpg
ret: **11:25**
